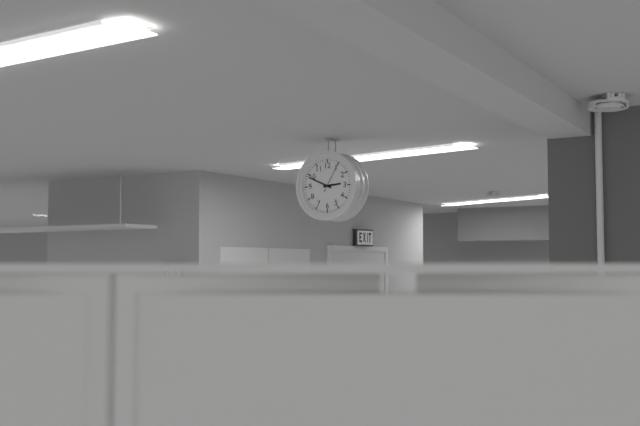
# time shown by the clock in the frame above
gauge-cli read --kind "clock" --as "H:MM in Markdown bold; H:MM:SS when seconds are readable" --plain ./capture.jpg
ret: **2:49**
